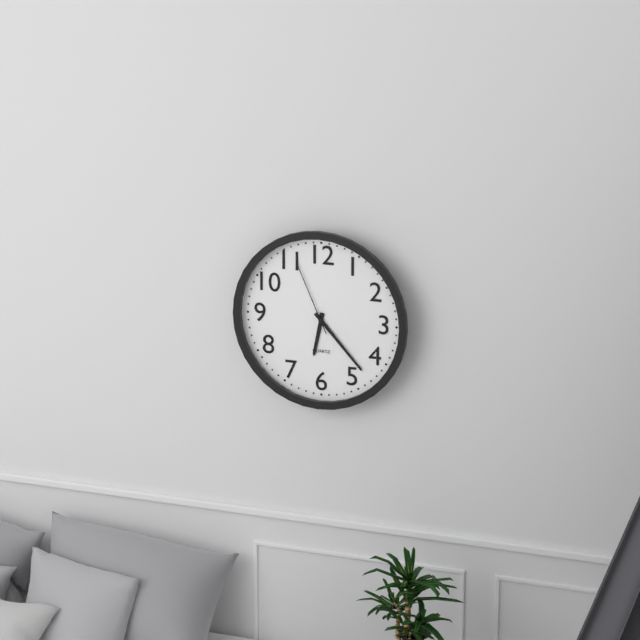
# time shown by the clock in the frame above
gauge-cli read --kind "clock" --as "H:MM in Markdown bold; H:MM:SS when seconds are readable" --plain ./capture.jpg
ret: **6:23:56**
